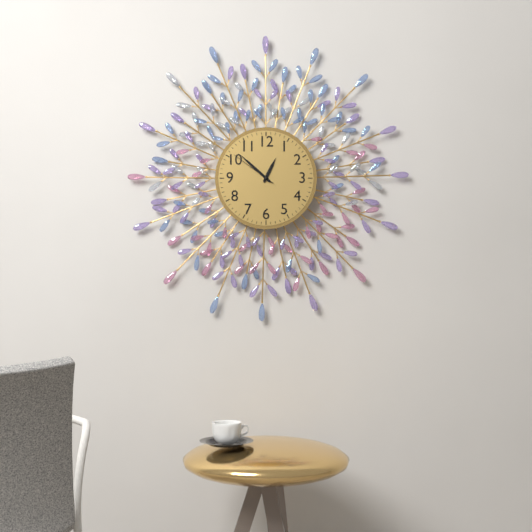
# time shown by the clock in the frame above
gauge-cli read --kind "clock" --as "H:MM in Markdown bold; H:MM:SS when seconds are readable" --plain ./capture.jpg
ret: **12:52:51**
